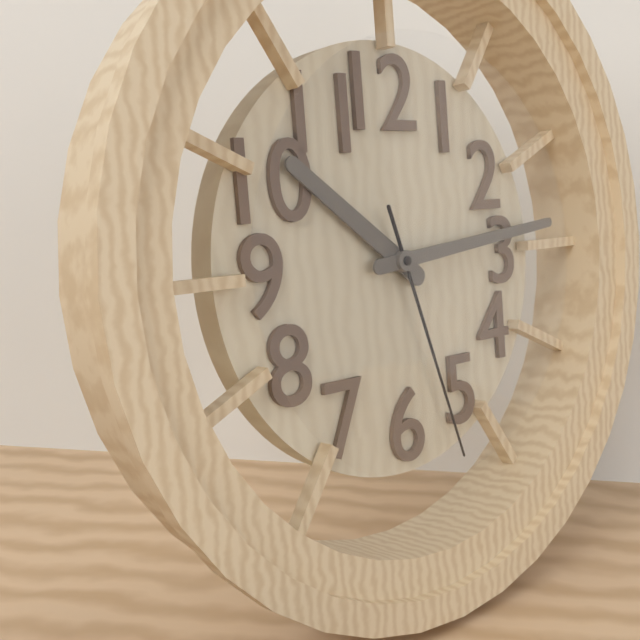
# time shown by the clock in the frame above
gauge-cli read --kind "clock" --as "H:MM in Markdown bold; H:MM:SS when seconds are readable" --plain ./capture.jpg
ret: **10:14:27**
